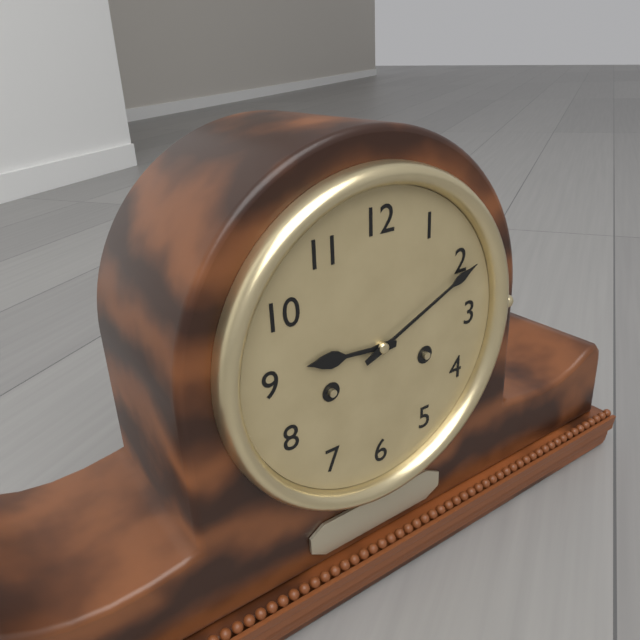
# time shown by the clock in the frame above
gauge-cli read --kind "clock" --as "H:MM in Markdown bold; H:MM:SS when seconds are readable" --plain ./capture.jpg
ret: **9:11**
